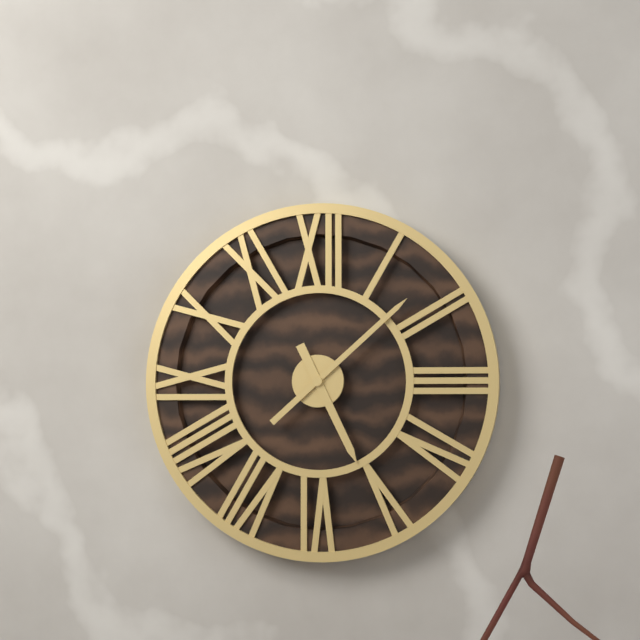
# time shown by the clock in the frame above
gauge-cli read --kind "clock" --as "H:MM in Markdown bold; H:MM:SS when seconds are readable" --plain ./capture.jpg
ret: **5:08**
